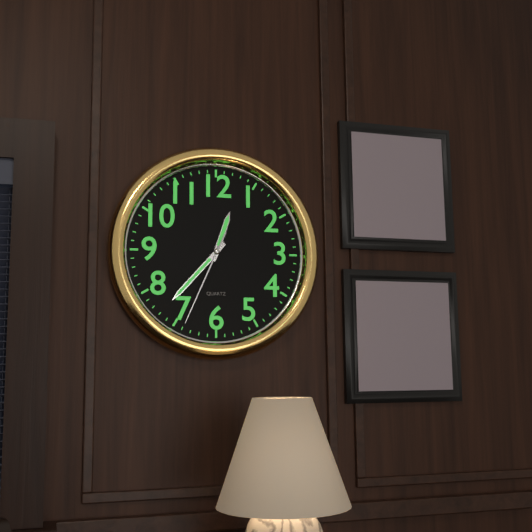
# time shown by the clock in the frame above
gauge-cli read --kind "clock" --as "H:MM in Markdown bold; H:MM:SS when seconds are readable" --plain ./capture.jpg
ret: **12:37:34**
